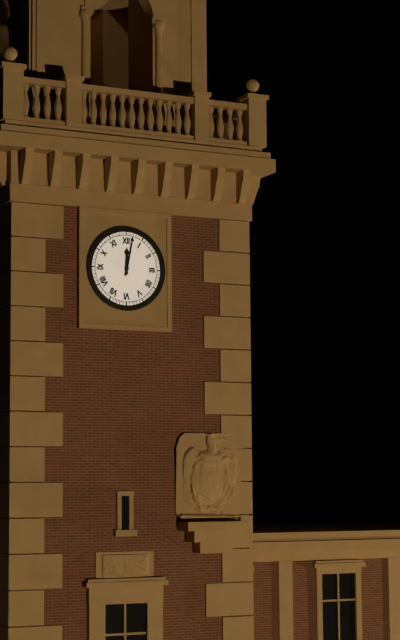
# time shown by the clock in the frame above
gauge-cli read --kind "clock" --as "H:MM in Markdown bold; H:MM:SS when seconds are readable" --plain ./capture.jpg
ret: **12:02**
